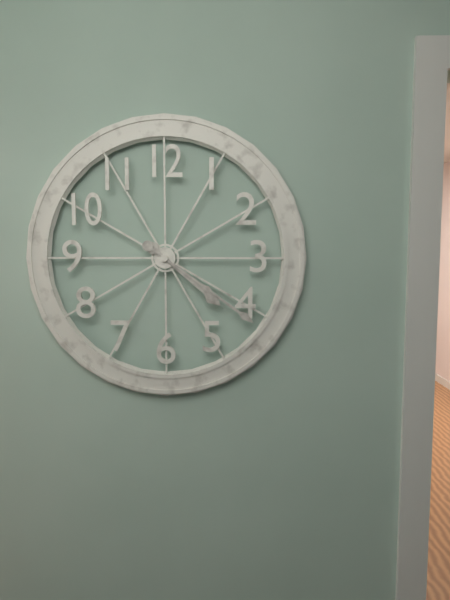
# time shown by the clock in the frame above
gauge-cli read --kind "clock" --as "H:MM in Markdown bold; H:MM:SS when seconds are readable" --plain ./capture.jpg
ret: **4:21**
